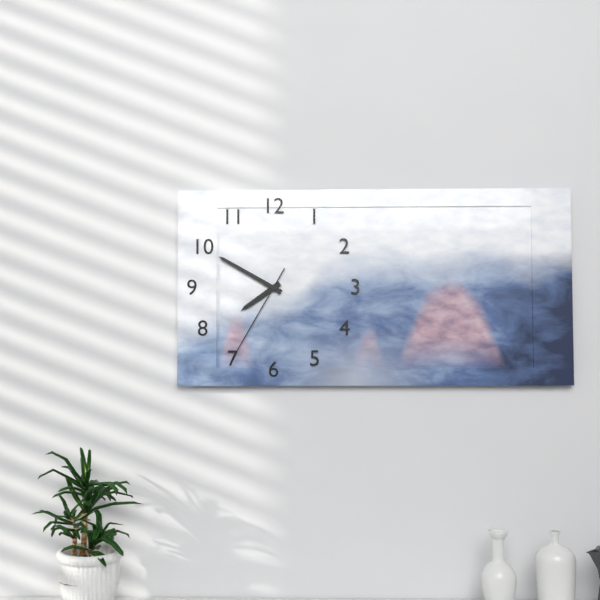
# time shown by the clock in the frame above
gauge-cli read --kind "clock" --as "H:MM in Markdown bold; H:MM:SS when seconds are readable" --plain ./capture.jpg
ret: **7:50:35**
